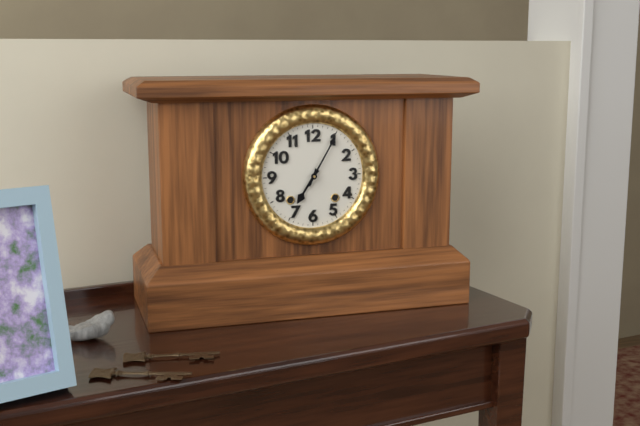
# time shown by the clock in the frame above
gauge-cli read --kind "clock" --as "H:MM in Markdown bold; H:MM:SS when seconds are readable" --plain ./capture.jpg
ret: **7:05**
